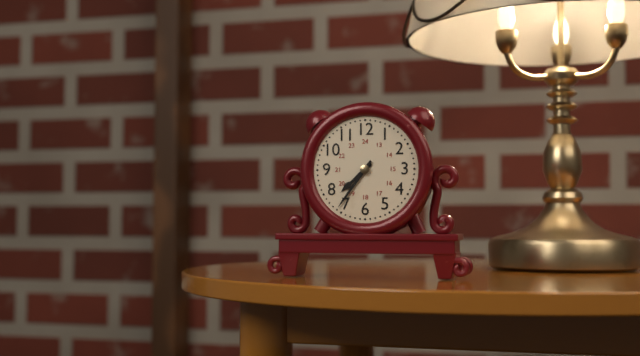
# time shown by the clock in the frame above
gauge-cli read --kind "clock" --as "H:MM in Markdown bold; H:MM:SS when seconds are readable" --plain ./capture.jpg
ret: **7:36**
